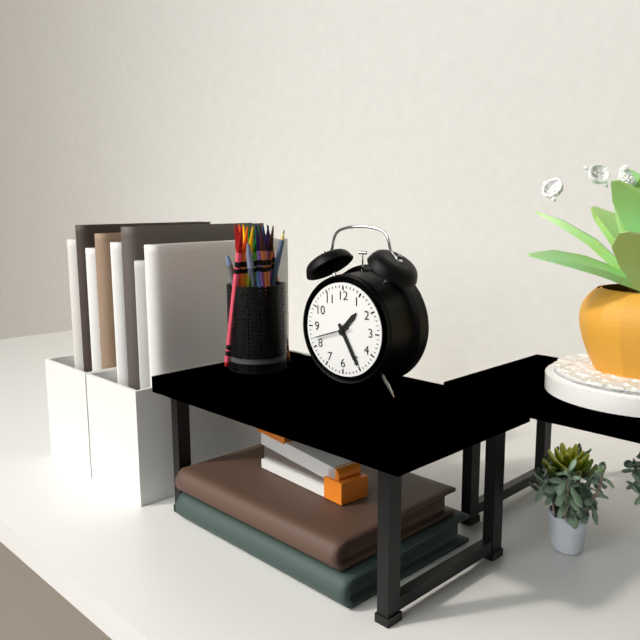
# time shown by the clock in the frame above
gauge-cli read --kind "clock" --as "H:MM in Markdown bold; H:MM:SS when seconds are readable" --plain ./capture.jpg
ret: **1:25**
